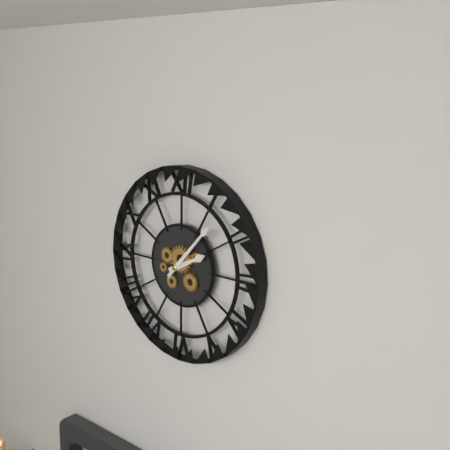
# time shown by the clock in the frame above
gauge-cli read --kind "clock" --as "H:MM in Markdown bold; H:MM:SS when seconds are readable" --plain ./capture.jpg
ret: **2:07**
